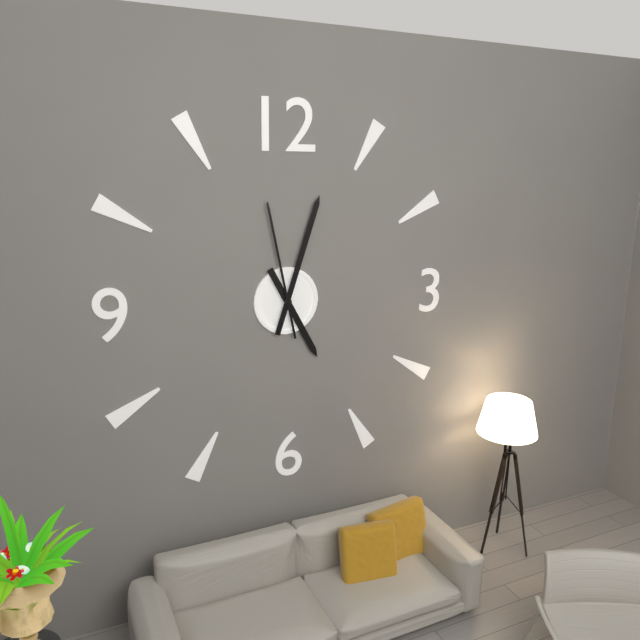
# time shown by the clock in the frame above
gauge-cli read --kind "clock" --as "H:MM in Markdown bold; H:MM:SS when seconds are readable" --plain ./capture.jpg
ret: **5:03:58**
